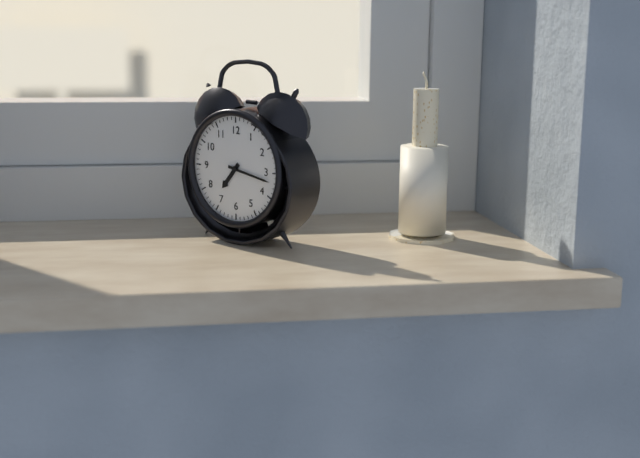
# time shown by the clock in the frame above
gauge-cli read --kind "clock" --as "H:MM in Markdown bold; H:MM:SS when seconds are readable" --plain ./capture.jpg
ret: **7:17**
